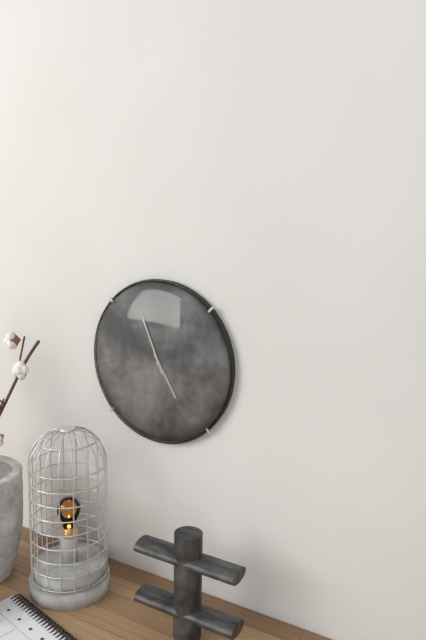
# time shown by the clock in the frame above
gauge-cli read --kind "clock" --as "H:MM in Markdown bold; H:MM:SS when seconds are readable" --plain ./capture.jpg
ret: **4:56**
